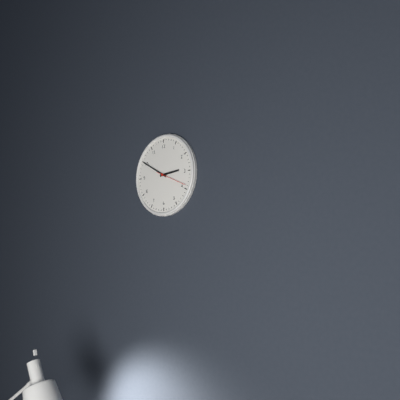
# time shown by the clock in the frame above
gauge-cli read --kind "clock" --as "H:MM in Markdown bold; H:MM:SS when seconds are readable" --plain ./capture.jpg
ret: **2:50**
